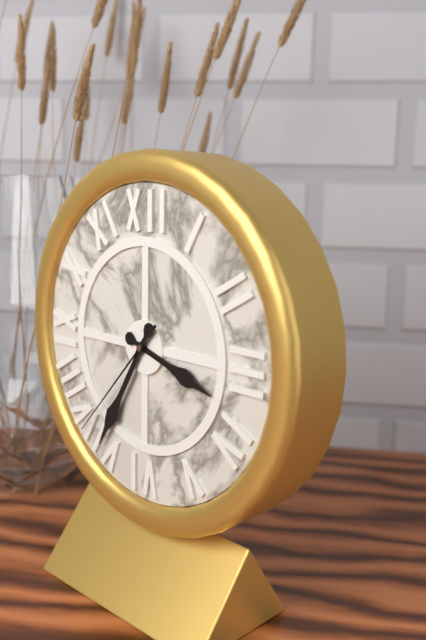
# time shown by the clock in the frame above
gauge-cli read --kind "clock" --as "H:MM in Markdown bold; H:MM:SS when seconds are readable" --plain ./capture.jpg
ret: **3:35:37**
